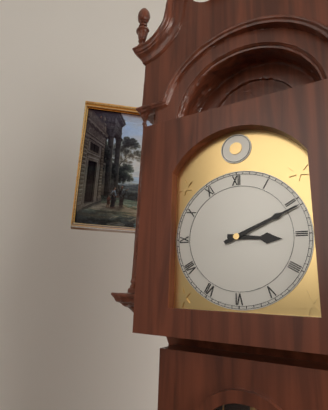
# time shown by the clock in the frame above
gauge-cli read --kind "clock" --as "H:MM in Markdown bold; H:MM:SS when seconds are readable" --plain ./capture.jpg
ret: **3:11**
